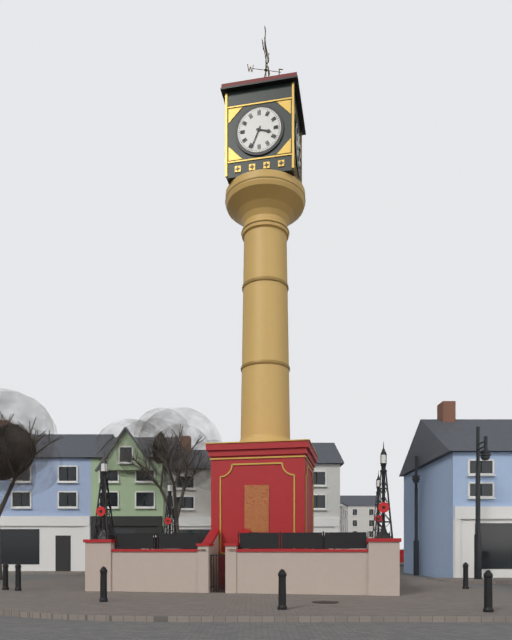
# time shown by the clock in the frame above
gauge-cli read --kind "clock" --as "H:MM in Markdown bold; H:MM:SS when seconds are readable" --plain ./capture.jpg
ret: **3:34**
